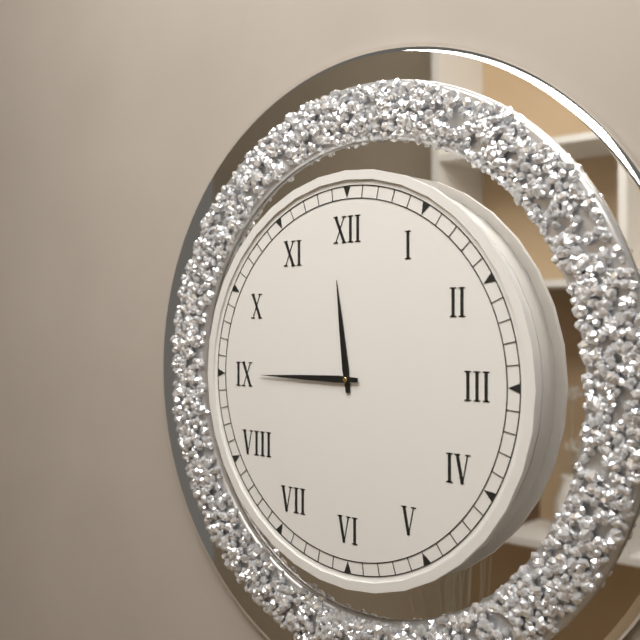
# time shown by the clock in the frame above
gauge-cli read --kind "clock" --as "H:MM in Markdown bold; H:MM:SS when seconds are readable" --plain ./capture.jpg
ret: **11:45**
